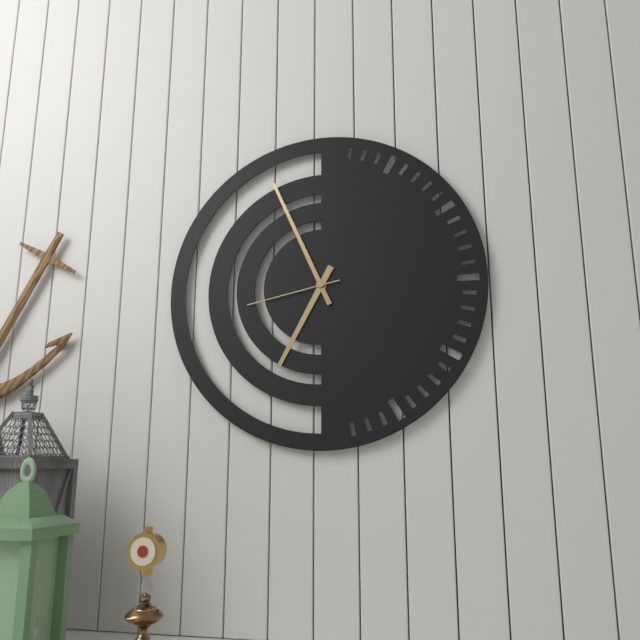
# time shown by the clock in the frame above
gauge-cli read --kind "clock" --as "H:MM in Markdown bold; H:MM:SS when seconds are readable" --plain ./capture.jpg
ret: **6:56:43**
